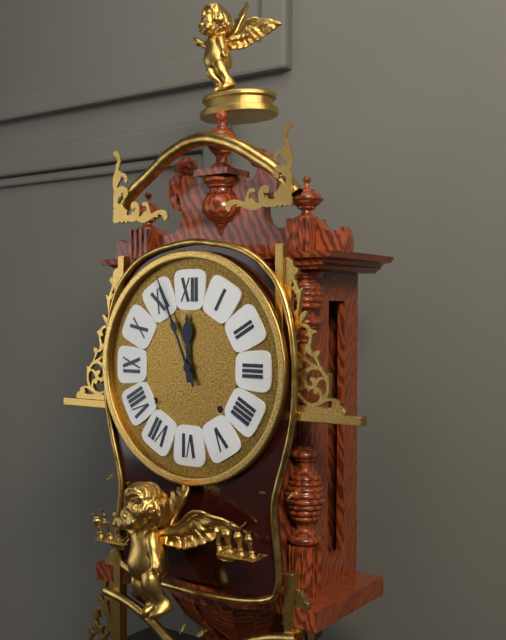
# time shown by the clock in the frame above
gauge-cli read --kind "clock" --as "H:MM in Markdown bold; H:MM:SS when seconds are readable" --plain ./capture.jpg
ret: **11:56**
